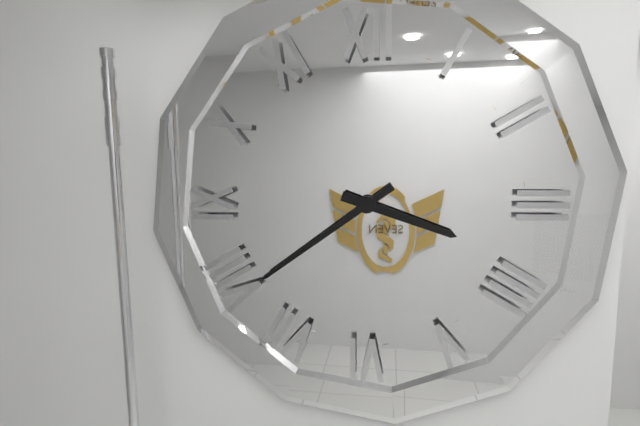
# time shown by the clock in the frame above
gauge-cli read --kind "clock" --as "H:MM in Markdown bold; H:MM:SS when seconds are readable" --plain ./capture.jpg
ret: **3:39**
